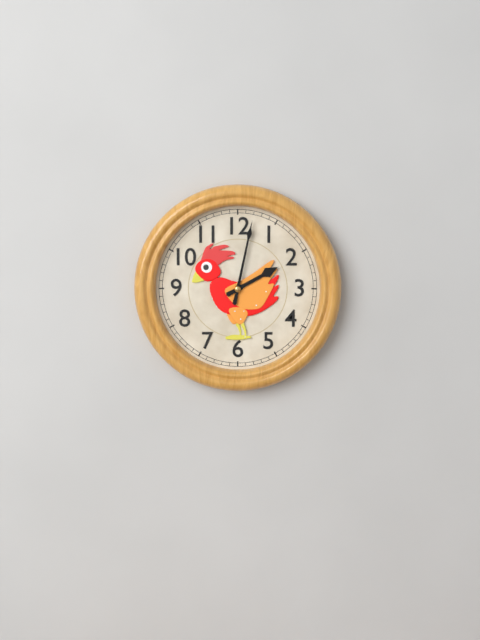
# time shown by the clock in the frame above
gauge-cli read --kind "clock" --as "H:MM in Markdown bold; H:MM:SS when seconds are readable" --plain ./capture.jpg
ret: **2:02**
